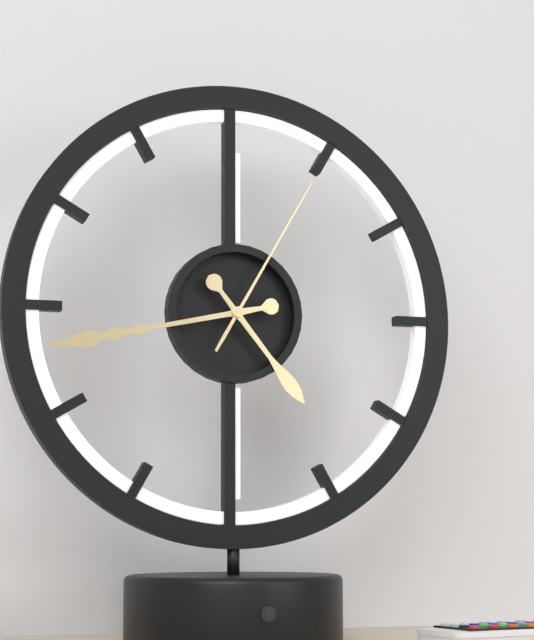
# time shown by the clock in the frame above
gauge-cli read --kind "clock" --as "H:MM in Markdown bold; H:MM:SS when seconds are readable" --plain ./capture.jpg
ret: **4:43:05**
